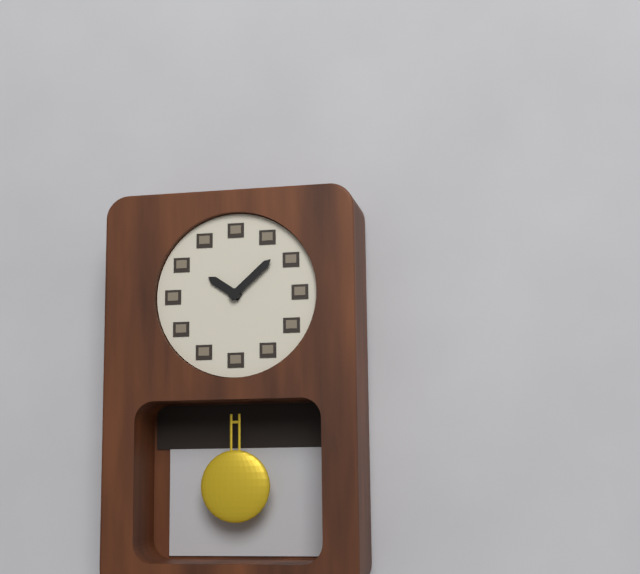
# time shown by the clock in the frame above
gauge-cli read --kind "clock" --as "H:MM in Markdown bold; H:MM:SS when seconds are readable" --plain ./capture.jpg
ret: **10:08**
